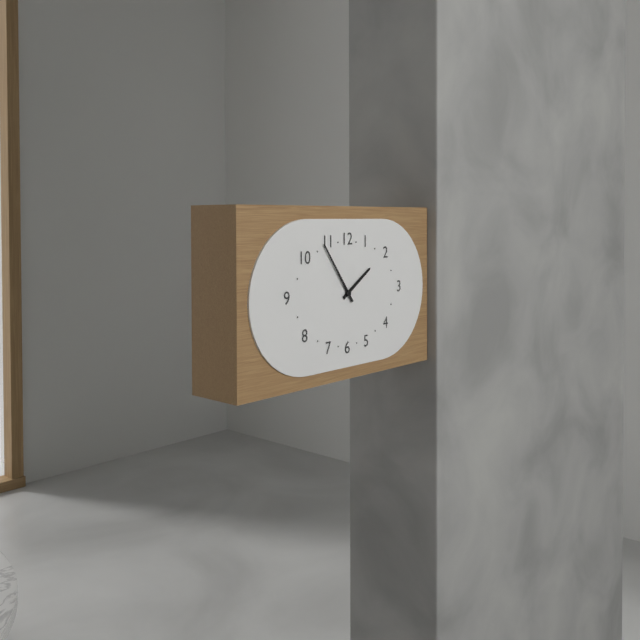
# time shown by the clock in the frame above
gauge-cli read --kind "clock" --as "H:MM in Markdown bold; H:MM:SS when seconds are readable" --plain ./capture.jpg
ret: **1:54**
